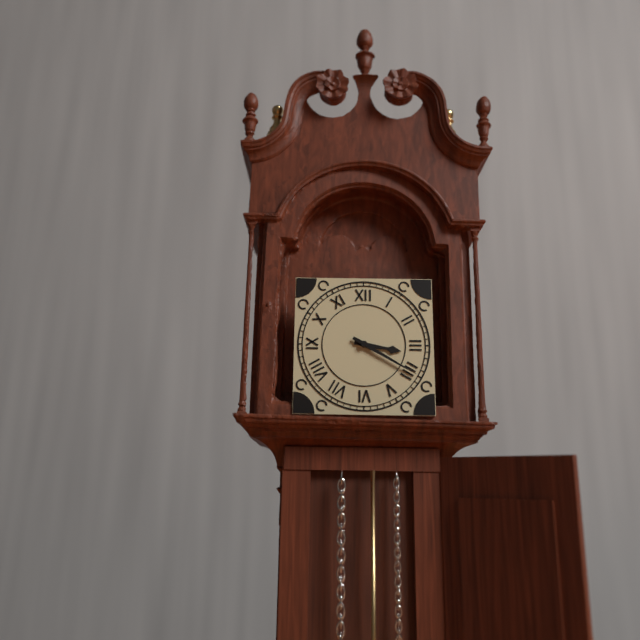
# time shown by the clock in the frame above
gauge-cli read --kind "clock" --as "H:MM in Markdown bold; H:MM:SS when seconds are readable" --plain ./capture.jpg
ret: **3:20**
